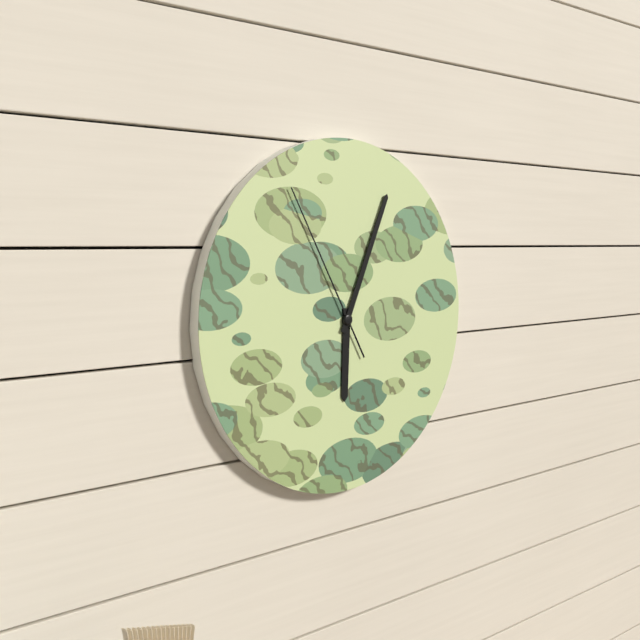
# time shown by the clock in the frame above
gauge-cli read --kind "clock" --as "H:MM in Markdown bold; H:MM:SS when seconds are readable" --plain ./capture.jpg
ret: **6:04:55**
